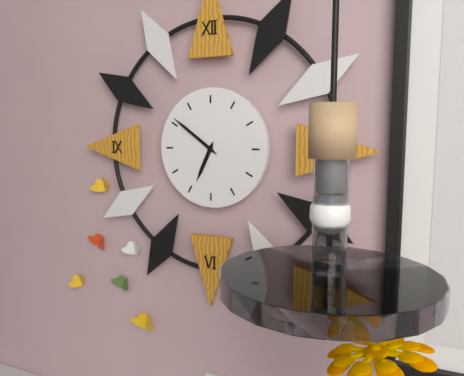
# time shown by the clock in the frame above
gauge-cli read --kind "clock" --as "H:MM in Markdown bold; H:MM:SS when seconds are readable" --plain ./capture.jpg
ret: **6:51**
